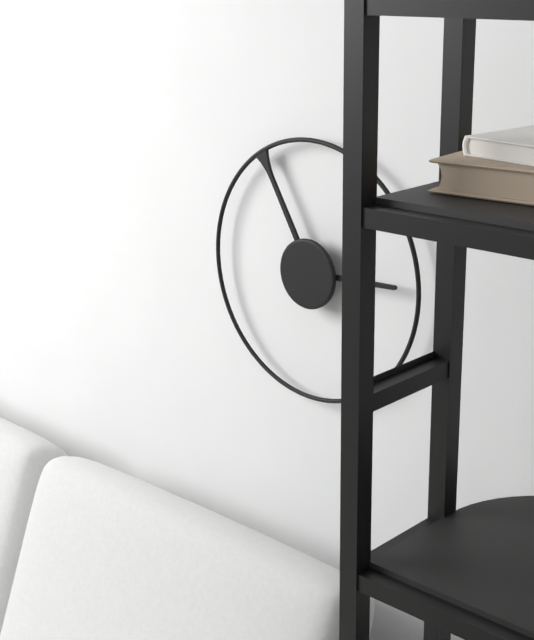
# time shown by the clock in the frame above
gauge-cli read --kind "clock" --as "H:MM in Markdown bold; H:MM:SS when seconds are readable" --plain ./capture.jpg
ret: **2:55**
